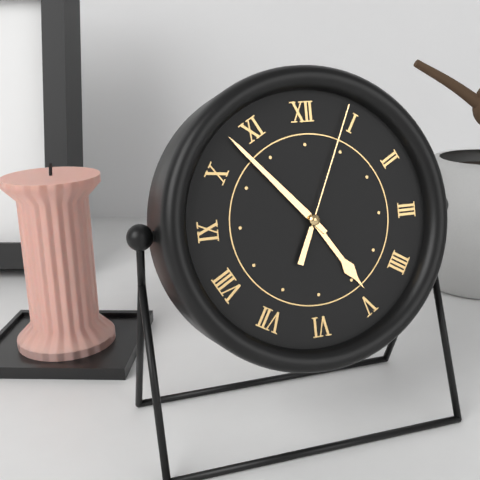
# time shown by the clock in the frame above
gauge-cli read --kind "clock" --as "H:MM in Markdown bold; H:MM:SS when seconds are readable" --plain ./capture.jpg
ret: **4:53:04**
